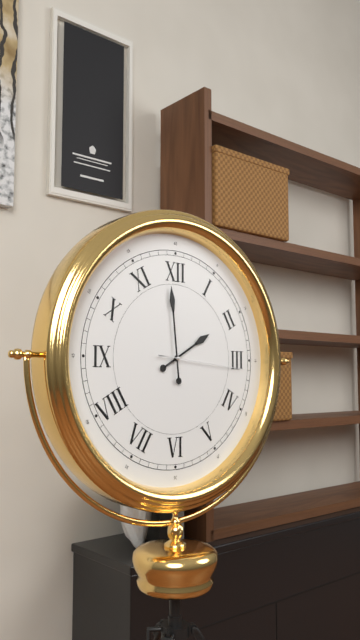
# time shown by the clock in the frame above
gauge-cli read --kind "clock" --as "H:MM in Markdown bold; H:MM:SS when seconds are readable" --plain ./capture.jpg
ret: **1:59:16**
